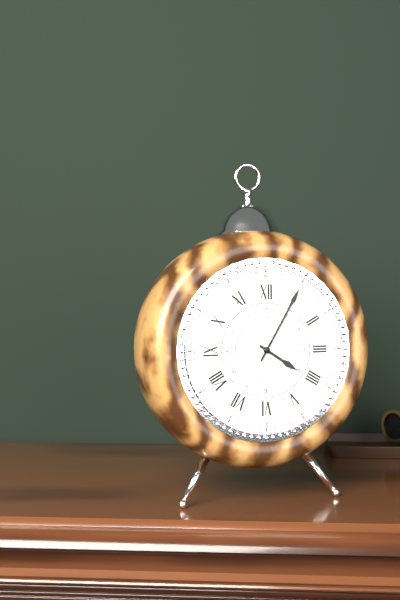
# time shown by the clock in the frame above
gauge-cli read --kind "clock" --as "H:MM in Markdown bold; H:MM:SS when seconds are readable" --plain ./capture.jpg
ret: **4:05**
